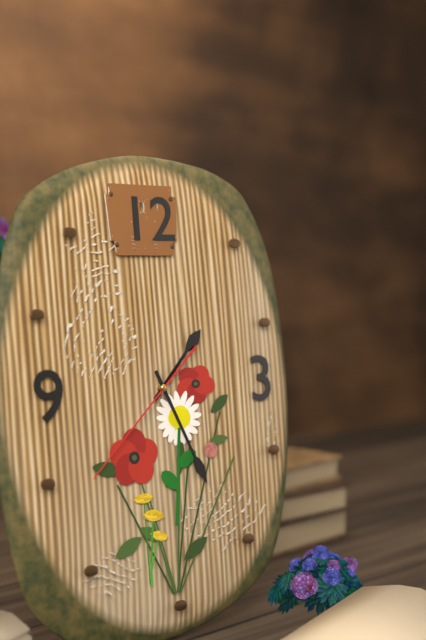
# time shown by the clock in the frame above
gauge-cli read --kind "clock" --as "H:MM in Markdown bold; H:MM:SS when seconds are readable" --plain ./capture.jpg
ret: **1:26:38**
